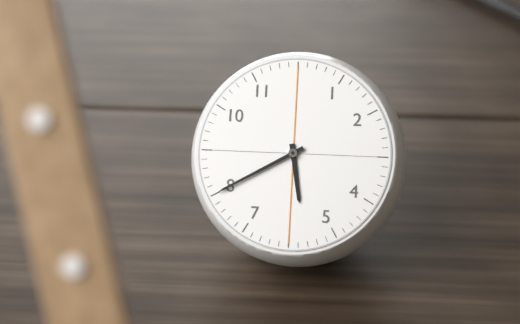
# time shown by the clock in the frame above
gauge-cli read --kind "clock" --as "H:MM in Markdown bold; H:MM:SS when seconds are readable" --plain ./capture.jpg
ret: **5:40**
